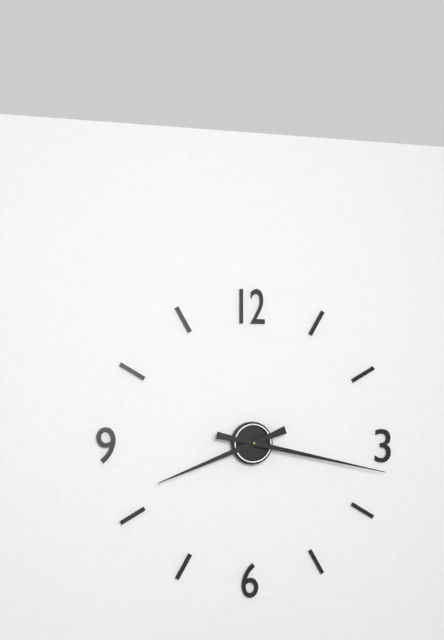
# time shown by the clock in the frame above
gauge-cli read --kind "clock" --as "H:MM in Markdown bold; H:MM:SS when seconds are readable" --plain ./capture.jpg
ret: **8:17**
